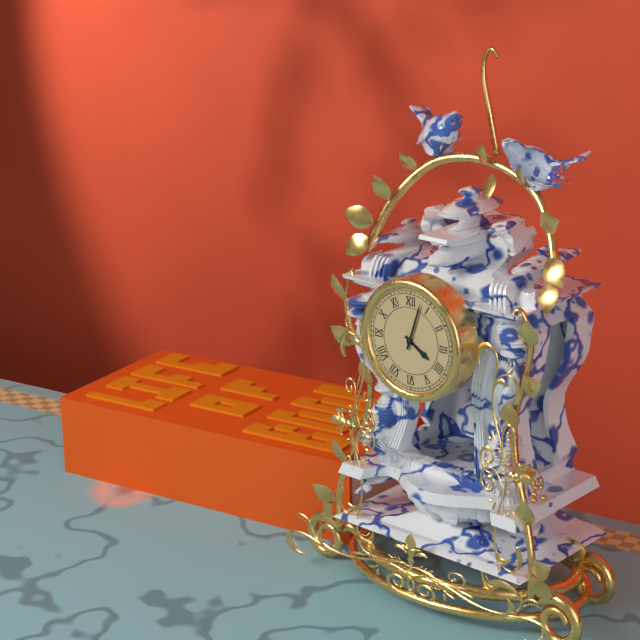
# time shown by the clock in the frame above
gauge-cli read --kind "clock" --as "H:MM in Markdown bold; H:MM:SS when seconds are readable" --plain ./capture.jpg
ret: **4:03**
